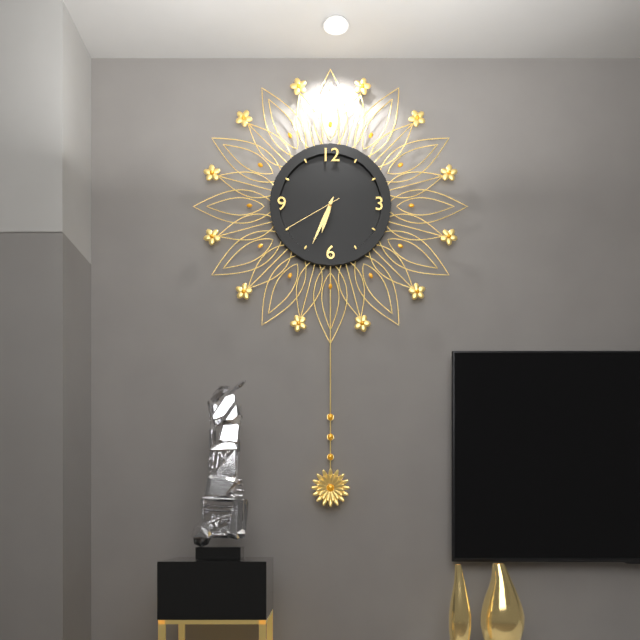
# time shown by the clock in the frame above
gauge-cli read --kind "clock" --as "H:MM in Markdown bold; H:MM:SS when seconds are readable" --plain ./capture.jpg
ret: **6:34:40**
